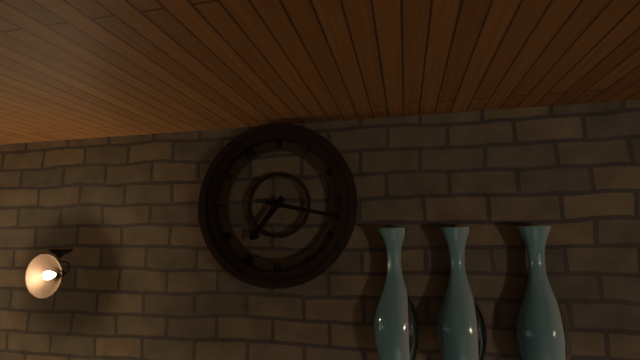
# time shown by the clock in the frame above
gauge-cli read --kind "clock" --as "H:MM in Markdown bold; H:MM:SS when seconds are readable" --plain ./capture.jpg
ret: **7:17**
